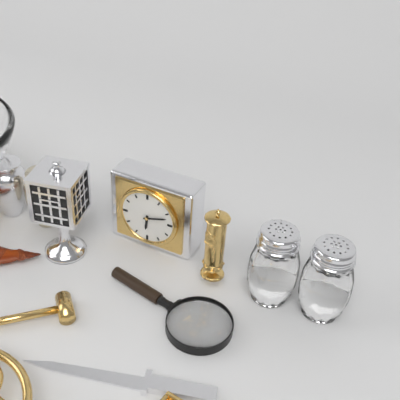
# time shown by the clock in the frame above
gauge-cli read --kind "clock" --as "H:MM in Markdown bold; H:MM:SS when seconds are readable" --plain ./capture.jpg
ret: **6:12**
